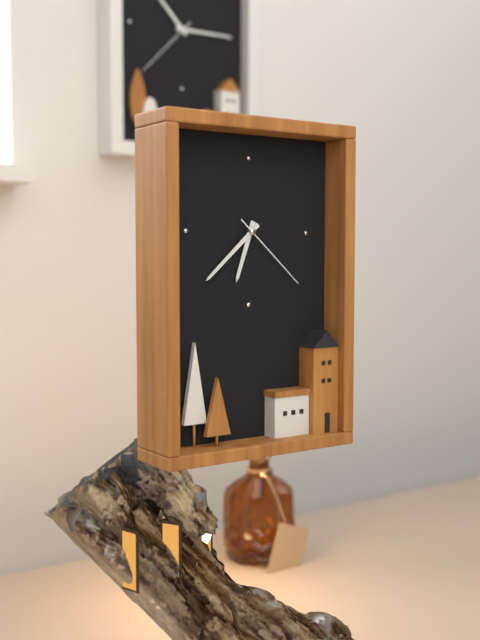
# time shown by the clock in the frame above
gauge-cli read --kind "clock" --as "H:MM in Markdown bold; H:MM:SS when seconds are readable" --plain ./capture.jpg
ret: **6:38:22**
